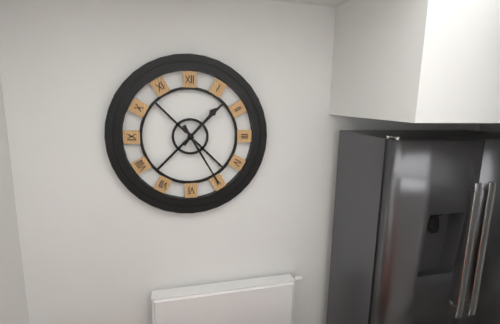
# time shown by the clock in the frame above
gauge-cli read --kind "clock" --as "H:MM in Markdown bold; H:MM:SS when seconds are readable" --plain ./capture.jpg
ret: **1:25**
